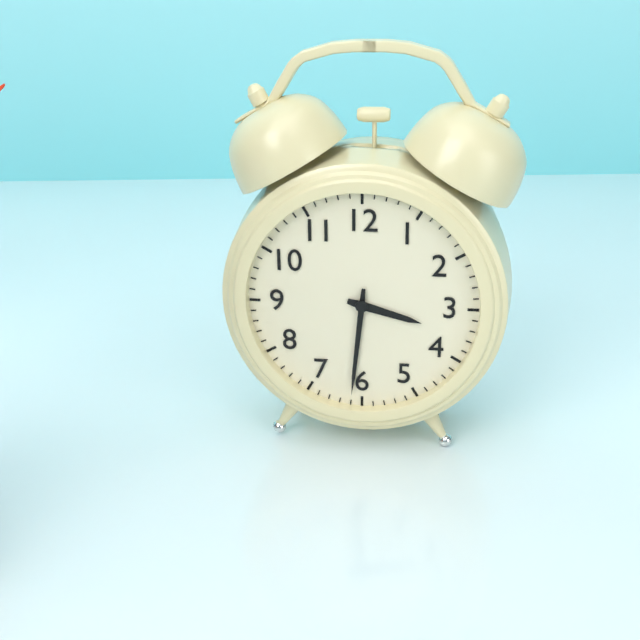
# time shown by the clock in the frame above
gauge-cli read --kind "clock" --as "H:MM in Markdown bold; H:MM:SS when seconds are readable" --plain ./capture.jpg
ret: **3:31**
